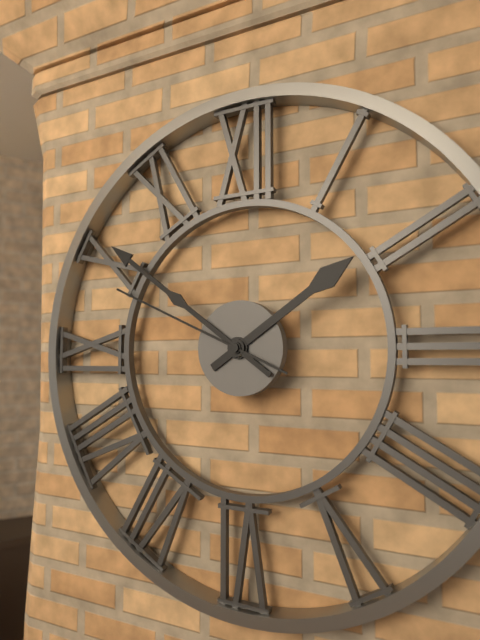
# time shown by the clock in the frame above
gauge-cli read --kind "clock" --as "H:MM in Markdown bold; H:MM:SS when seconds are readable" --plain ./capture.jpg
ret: **1:51:49**
